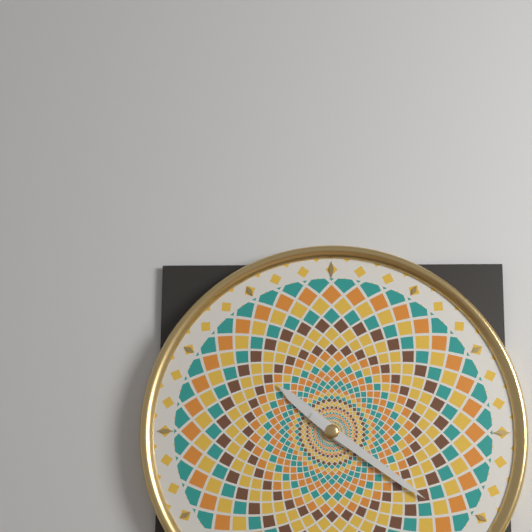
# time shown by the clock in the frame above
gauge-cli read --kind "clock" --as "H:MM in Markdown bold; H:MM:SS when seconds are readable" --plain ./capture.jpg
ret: **10:21**
